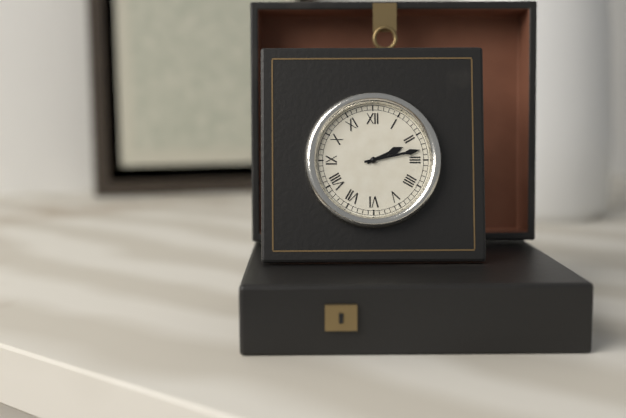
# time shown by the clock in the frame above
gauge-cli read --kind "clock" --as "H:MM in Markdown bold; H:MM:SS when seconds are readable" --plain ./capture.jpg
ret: **2:13**
